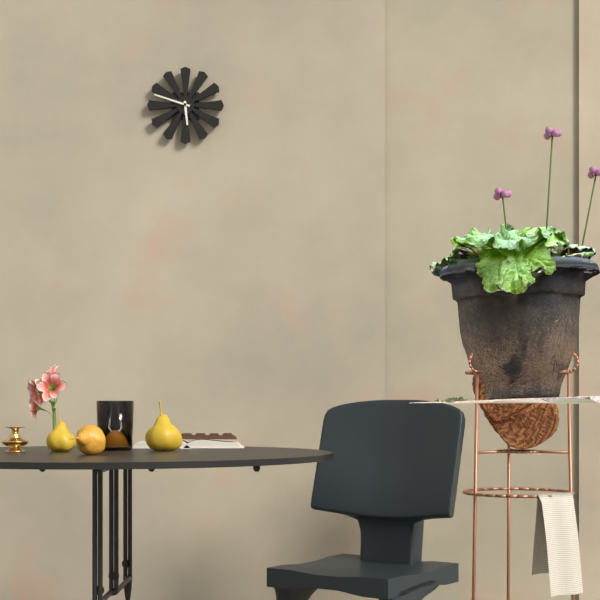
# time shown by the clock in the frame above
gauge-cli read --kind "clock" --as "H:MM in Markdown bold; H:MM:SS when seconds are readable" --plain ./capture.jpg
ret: **5:48**
